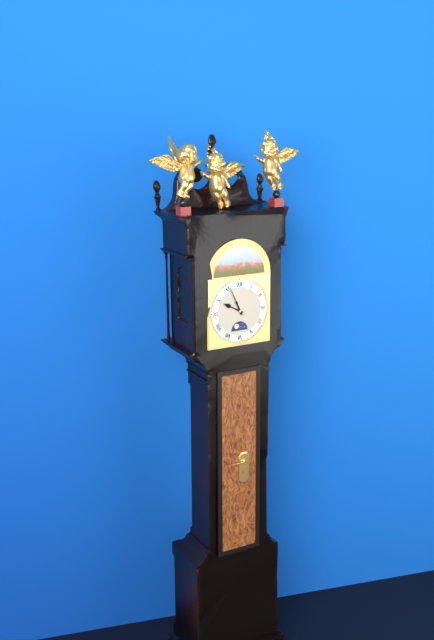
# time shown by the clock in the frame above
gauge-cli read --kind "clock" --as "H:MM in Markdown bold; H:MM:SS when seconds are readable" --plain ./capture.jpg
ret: **9:56**
